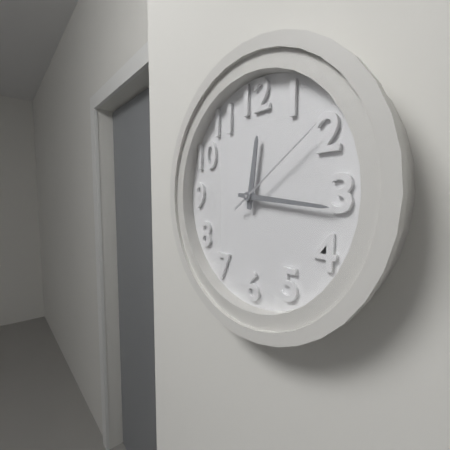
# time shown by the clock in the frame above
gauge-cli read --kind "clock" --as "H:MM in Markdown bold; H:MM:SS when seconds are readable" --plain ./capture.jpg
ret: **12:16:09**
